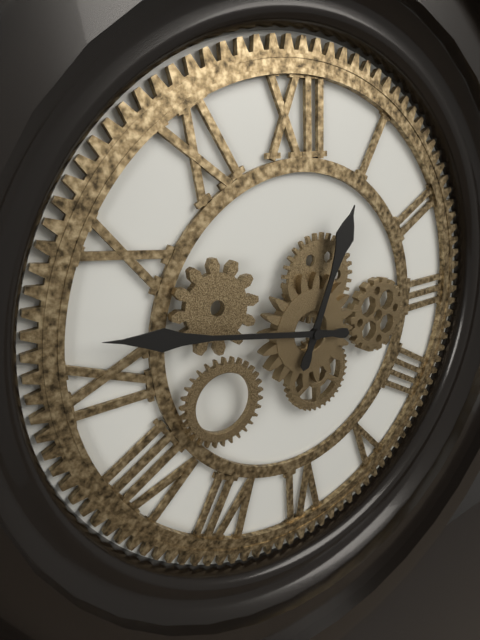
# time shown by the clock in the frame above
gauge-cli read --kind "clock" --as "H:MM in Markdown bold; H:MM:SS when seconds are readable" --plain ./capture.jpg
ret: **12:47**
